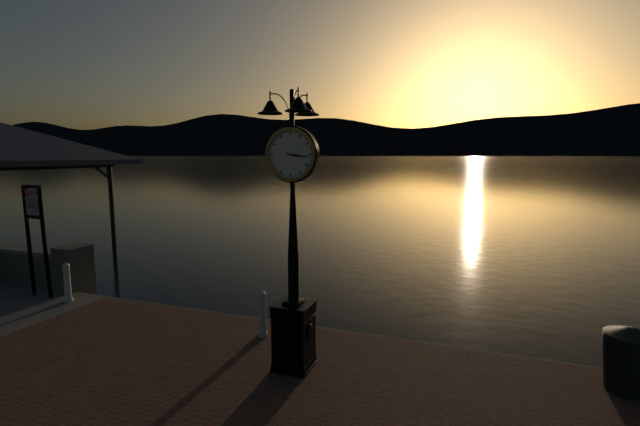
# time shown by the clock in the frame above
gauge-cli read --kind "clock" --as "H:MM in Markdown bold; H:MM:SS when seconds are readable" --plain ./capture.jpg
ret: **3:16**
